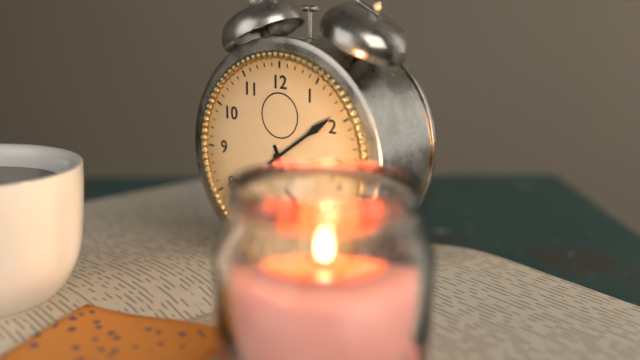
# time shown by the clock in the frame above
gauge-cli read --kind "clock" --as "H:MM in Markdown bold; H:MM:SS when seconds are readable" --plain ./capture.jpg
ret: **5:09**
